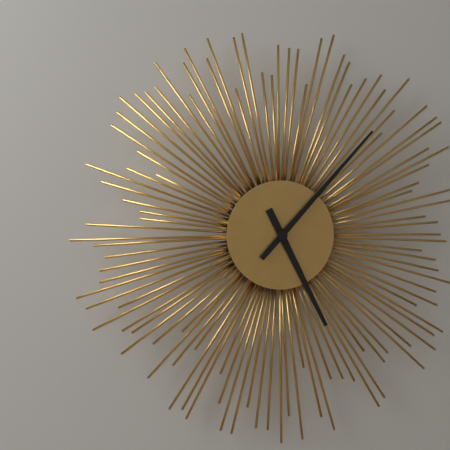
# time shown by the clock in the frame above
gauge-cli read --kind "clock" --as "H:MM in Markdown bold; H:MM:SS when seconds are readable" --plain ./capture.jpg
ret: **5:07**
